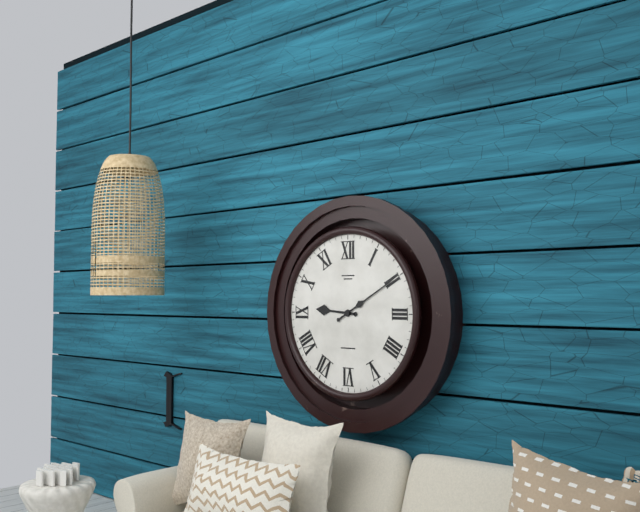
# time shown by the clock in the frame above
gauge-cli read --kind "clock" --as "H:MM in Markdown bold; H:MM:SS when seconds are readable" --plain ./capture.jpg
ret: **9:10**
